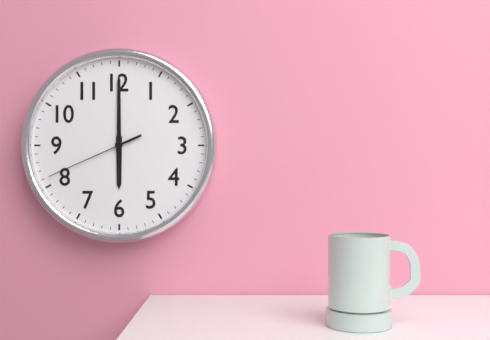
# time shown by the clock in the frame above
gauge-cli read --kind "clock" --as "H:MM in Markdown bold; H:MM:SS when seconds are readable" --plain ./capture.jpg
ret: **6:00:41**
